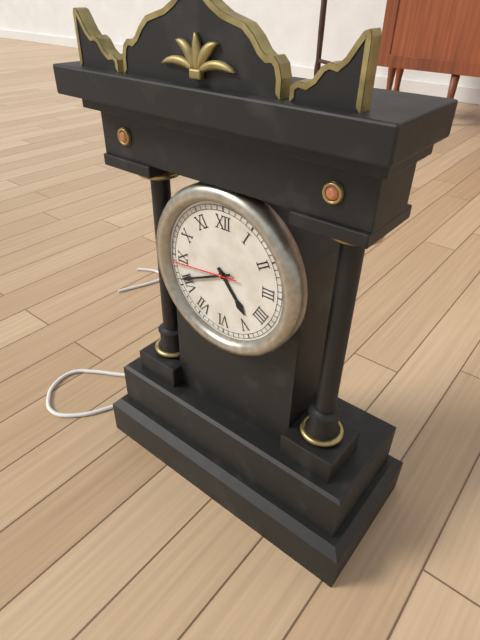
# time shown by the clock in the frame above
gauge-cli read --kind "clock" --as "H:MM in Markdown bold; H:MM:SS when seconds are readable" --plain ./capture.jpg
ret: **4:41:44**
